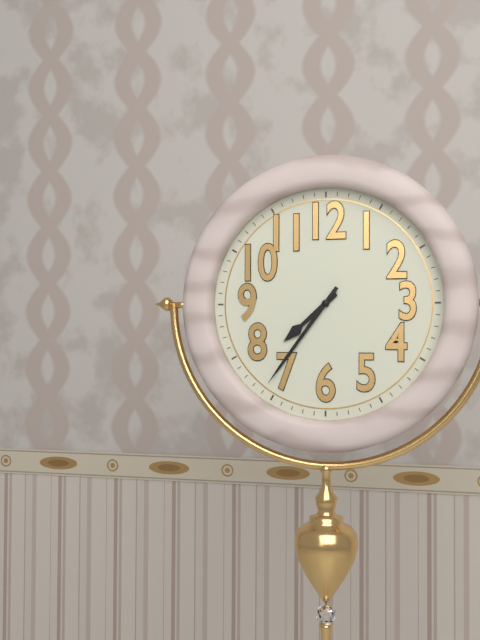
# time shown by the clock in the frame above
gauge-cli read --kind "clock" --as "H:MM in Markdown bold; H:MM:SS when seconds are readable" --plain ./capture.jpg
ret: **7:36**
